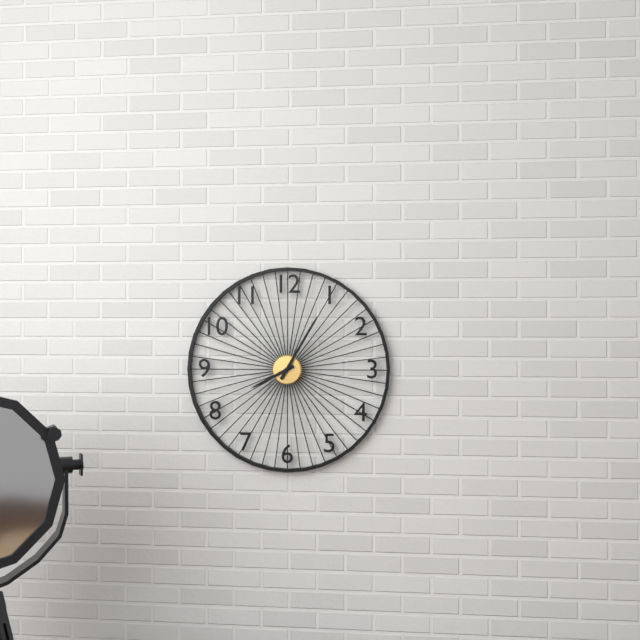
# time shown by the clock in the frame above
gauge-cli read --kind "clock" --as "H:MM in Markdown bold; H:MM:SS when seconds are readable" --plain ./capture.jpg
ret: **8:05**
